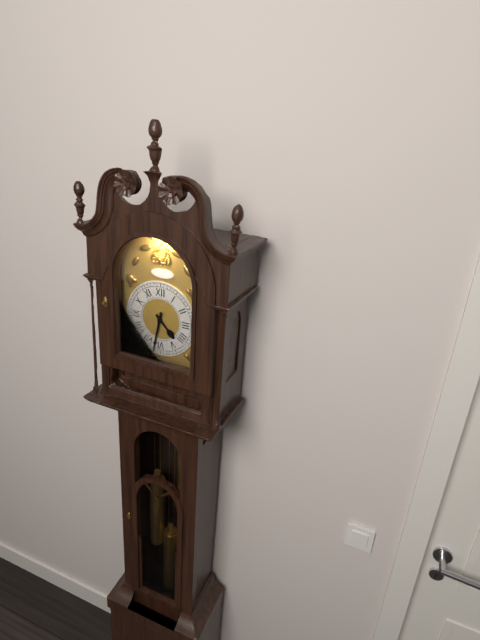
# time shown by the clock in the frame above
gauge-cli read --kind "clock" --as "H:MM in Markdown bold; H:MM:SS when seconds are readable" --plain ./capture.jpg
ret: **4:32**
